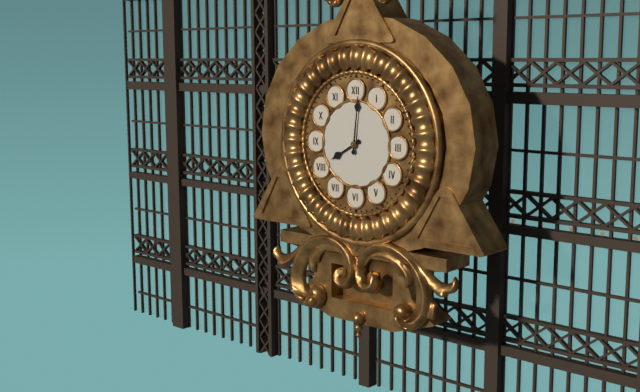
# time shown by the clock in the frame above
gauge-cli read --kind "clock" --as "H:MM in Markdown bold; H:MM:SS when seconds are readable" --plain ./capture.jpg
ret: **8:01**
